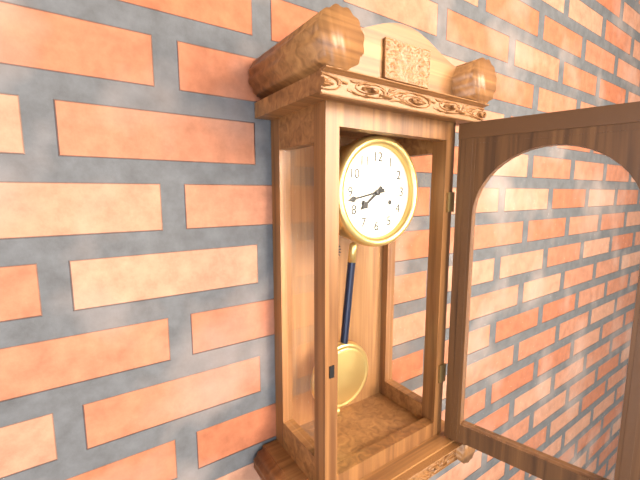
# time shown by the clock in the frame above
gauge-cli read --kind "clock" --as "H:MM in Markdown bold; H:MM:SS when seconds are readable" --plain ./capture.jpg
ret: **7:43**
